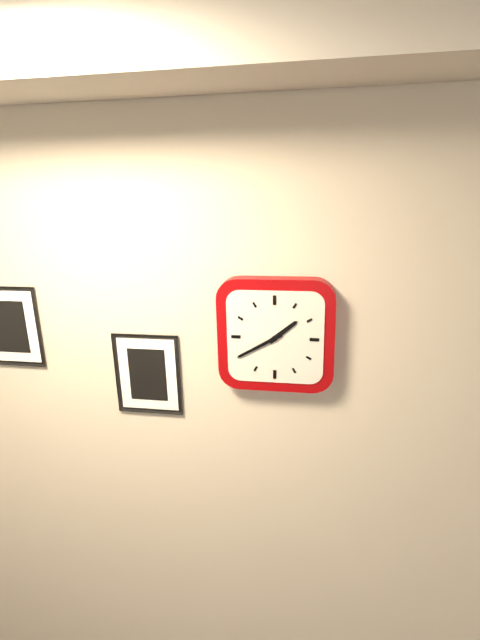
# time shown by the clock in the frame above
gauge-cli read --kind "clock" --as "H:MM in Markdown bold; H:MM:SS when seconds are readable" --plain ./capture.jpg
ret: **1:40**
